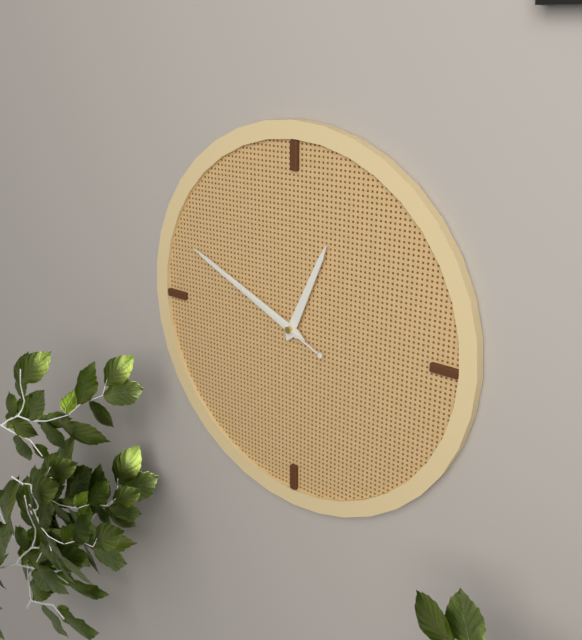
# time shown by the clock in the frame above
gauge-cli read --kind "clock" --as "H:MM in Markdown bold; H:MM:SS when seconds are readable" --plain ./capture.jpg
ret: **12:49:49**
